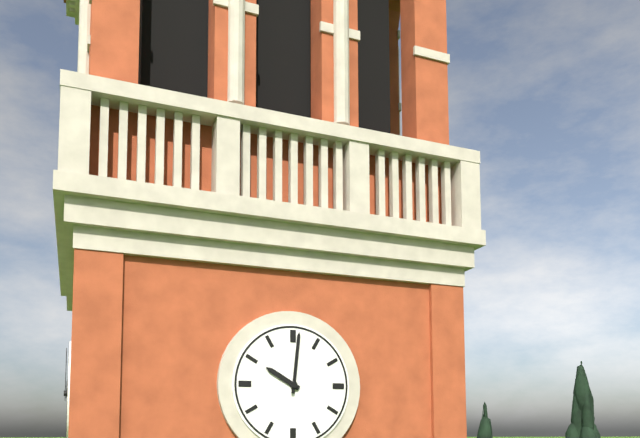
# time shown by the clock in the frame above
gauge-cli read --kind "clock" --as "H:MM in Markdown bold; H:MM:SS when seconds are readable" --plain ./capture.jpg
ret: **10:01**
